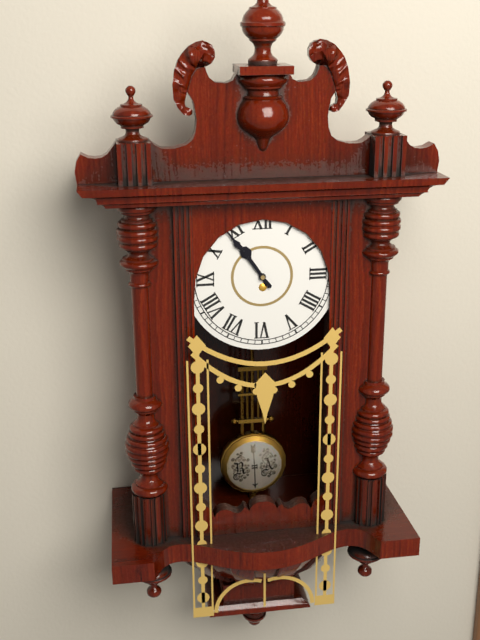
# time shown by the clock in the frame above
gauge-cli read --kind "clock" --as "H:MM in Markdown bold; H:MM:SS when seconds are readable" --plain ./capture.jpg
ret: **10:54**
